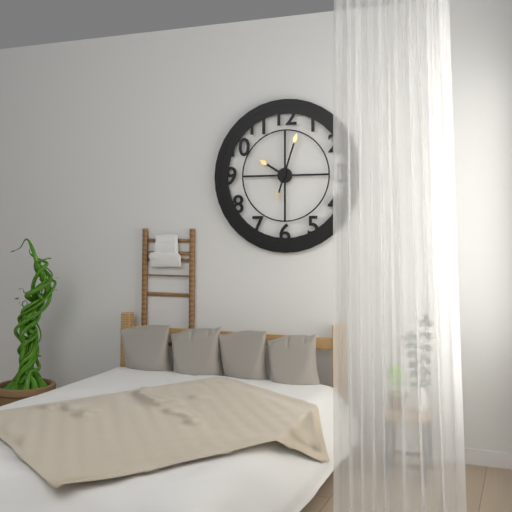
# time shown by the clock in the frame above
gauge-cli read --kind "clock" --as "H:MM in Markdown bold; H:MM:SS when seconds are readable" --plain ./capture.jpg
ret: **10:03**
